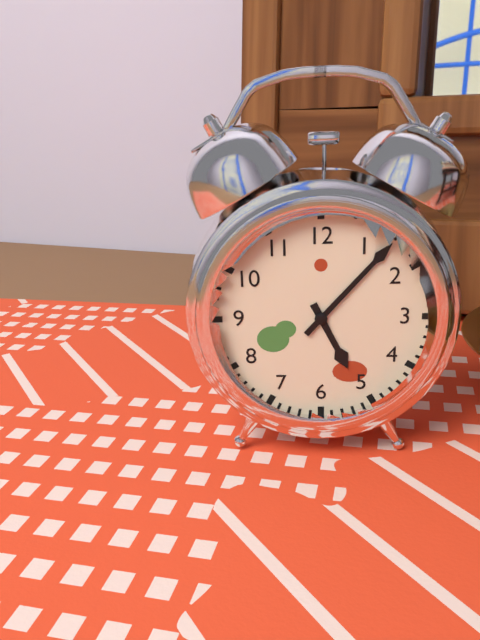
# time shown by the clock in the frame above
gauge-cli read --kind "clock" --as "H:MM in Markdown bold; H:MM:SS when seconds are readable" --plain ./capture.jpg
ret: **5:07**
